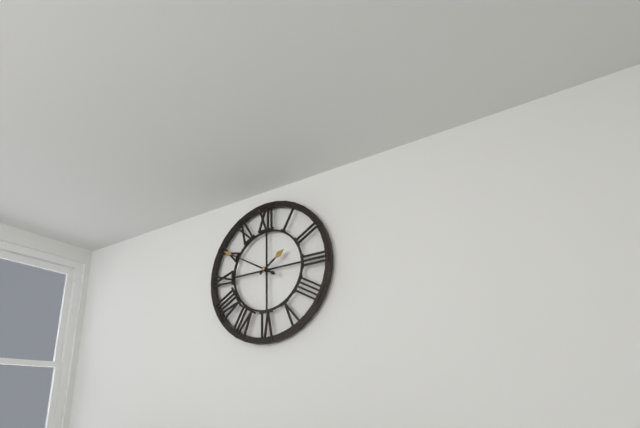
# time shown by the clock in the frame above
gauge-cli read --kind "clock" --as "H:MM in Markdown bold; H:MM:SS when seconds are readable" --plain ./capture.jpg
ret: **1:50**
